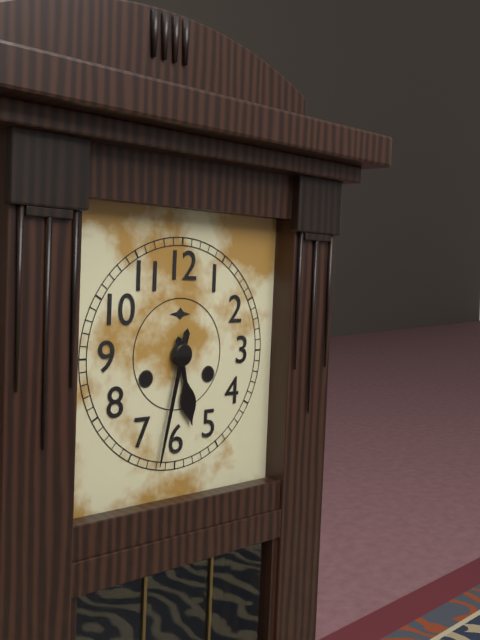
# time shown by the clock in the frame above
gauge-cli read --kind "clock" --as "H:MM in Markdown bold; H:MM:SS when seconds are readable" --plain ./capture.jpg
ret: **5:32**
